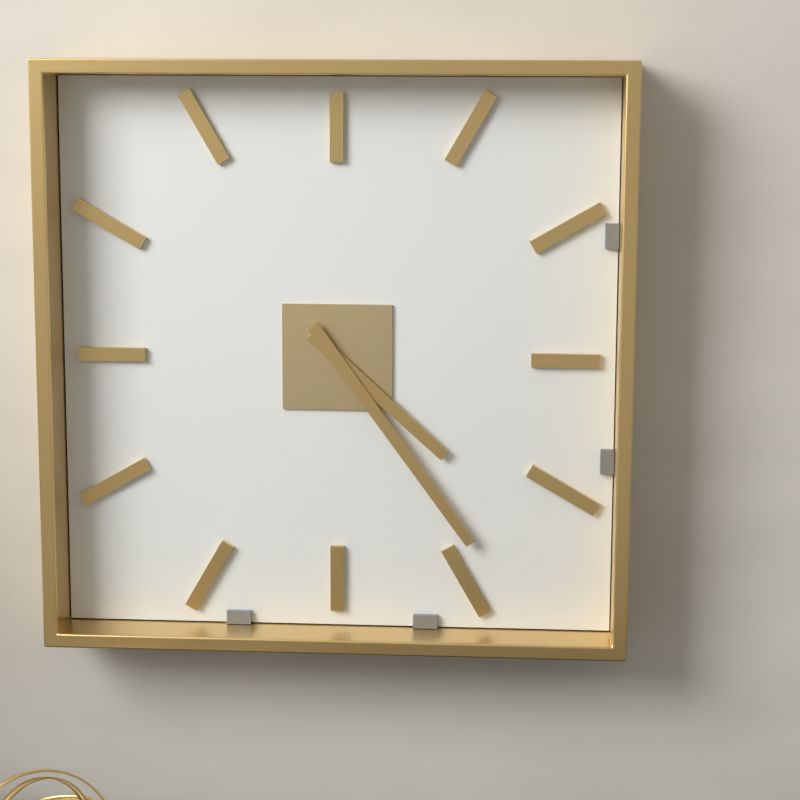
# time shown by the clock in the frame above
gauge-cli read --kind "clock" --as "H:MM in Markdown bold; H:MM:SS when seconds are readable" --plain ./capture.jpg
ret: **4:24**
